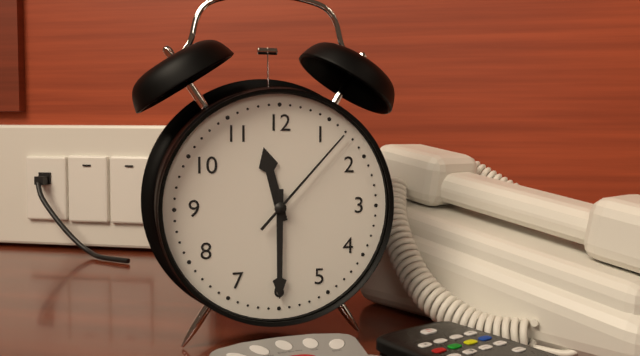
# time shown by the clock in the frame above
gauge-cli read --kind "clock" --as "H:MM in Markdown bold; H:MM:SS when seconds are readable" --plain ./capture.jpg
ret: **11:30:07**
